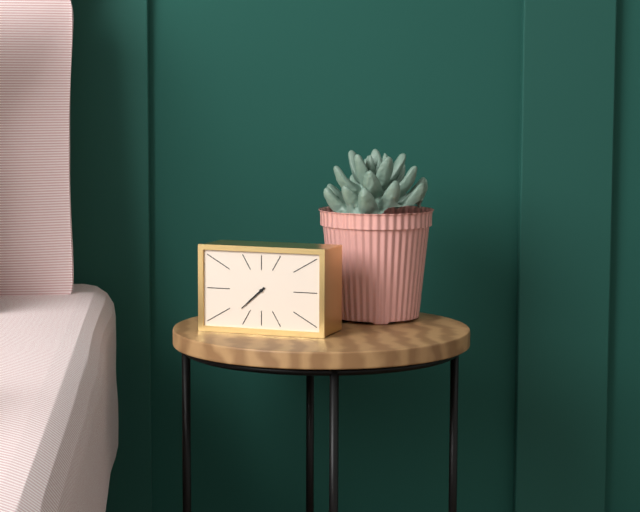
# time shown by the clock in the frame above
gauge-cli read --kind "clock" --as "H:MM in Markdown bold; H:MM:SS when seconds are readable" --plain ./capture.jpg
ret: **7:38**
